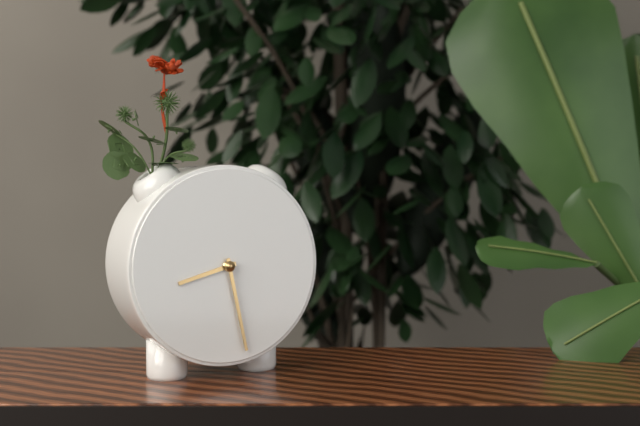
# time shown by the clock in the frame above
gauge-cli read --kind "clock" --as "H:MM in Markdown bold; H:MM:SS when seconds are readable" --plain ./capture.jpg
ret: **8:28**
